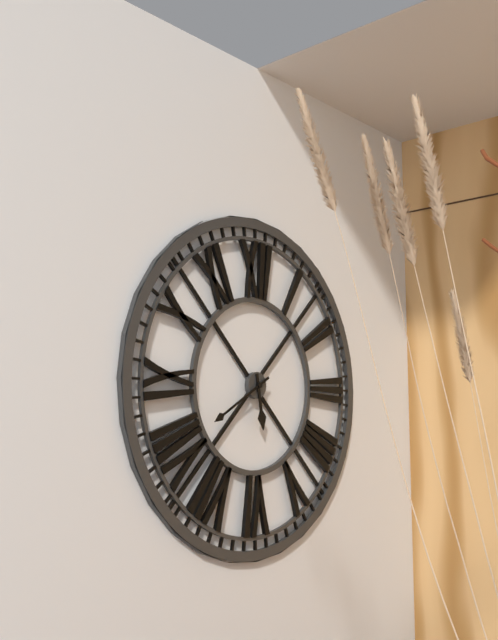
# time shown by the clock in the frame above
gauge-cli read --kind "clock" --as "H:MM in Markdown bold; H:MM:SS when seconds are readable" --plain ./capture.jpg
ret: **5:40**
